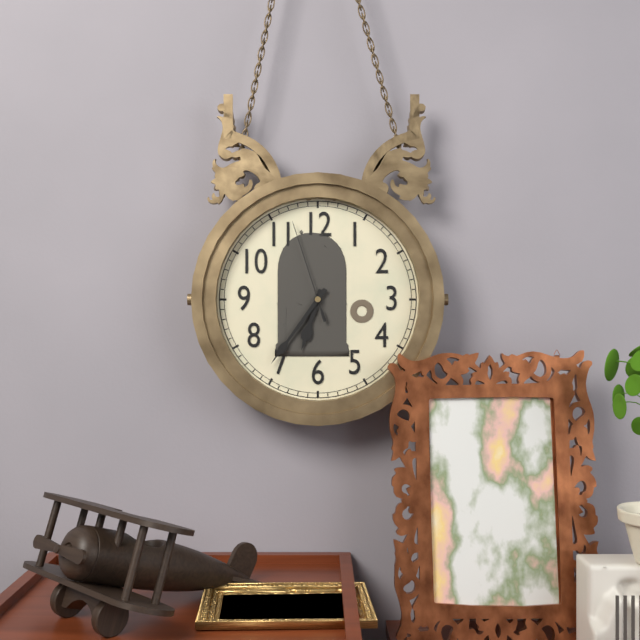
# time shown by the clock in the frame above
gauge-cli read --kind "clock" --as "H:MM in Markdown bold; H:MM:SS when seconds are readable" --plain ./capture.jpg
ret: **6:36:57**
